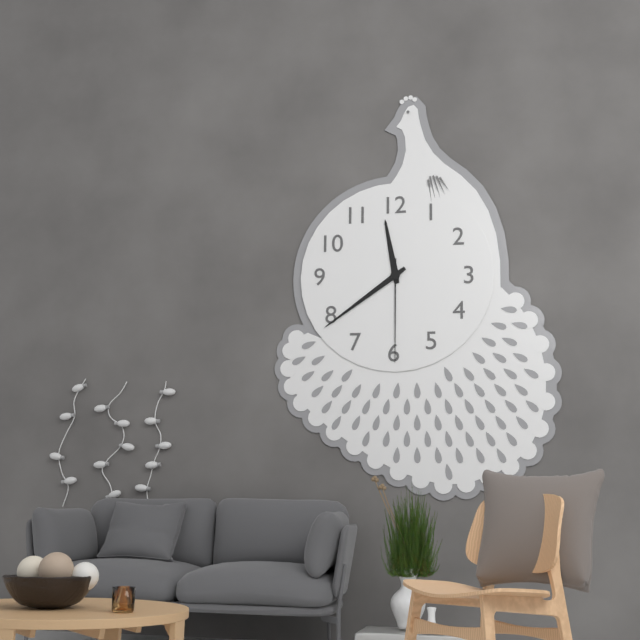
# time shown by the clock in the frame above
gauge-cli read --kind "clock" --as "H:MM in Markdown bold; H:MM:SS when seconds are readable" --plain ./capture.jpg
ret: **11:39:30**
